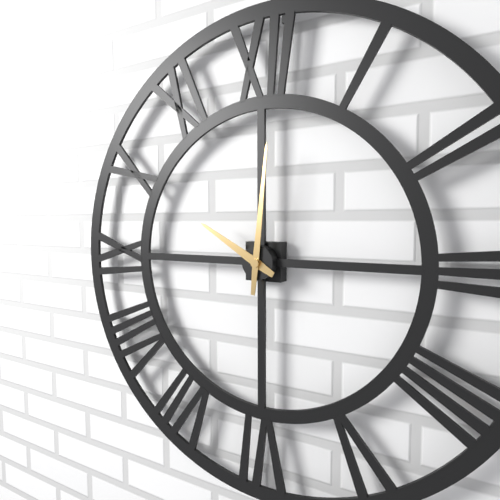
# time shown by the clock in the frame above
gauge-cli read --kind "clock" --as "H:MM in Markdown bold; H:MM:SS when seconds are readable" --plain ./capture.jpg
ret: **10:01**
